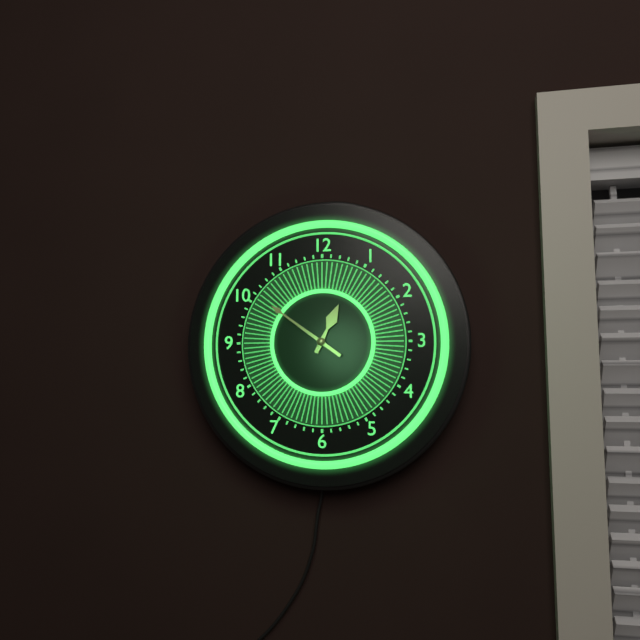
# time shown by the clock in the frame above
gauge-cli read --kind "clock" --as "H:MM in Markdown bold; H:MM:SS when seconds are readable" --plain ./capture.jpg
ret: **12:51**
